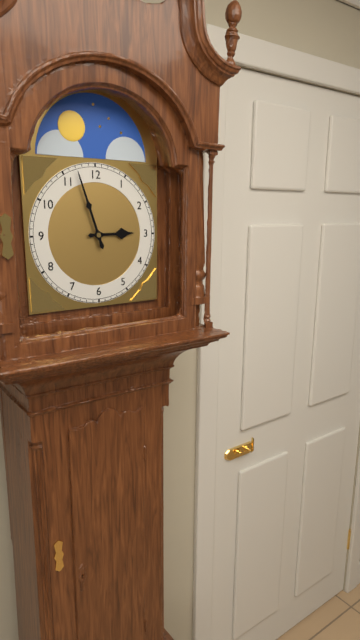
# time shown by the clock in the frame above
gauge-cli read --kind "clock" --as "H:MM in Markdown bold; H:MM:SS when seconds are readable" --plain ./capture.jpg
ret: **2:57**
